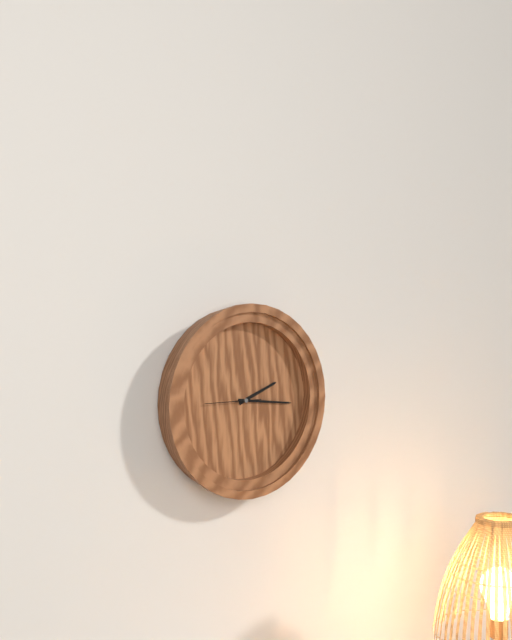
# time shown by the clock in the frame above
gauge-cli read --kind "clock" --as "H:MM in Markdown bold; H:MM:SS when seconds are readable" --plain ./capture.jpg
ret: **2:16:45**
